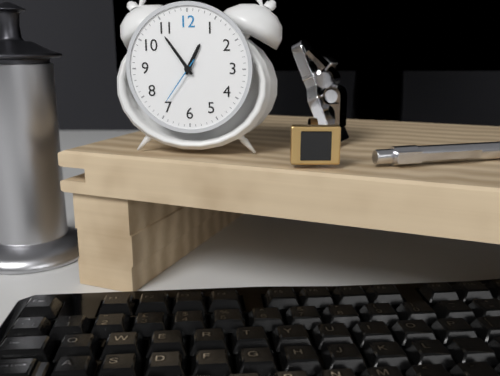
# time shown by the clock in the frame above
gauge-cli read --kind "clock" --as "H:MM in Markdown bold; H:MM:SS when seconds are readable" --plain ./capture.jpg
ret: **12:54**
